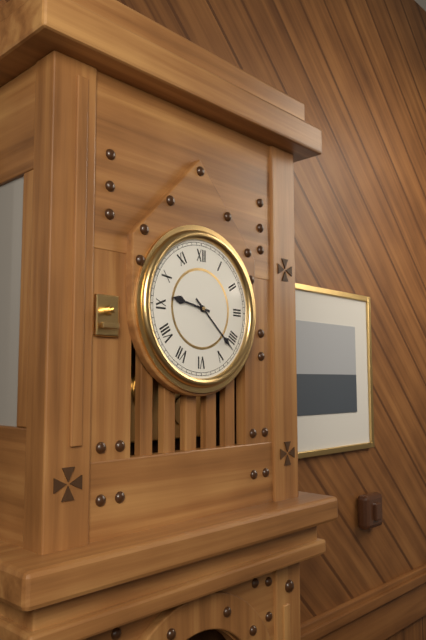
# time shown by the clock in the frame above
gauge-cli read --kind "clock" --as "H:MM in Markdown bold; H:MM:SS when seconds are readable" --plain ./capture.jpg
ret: **9:22**
